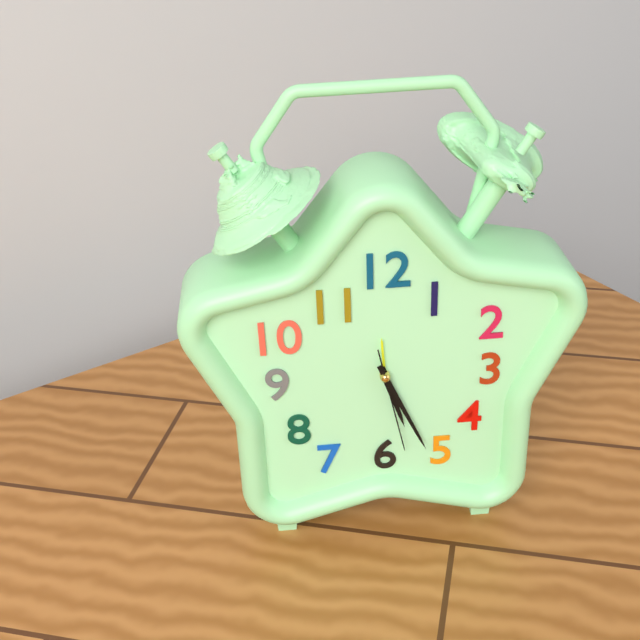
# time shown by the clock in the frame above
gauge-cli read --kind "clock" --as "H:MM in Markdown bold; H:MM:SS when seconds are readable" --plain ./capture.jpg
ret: **5:26:28**
